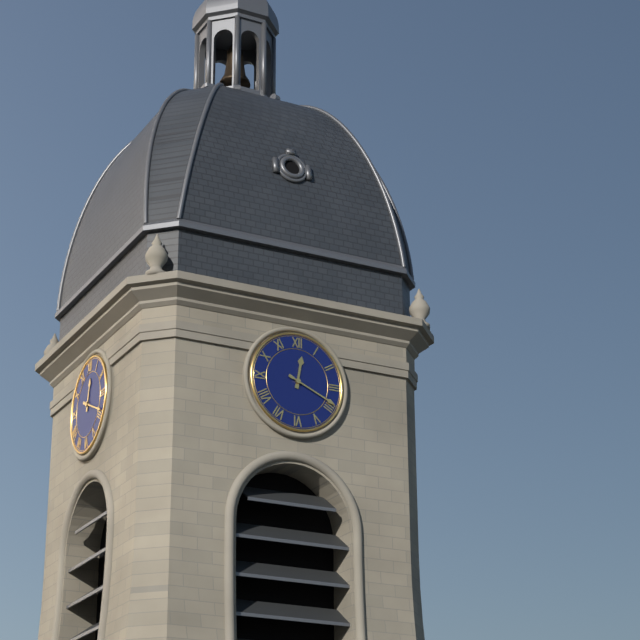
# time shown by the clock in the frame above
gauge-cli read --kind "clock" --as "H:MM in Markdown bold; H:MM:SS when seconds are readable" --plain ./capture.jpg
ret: **12:19**
